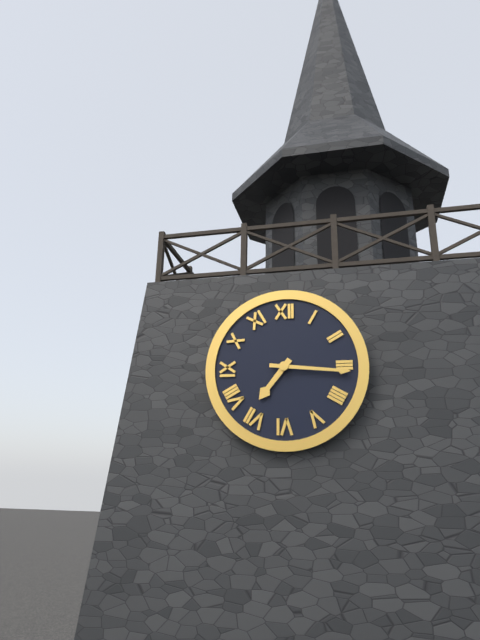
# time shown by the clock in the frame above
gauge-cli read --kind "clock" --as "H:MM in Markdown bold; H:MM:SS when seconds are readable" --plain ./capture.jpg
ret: **7:16**
